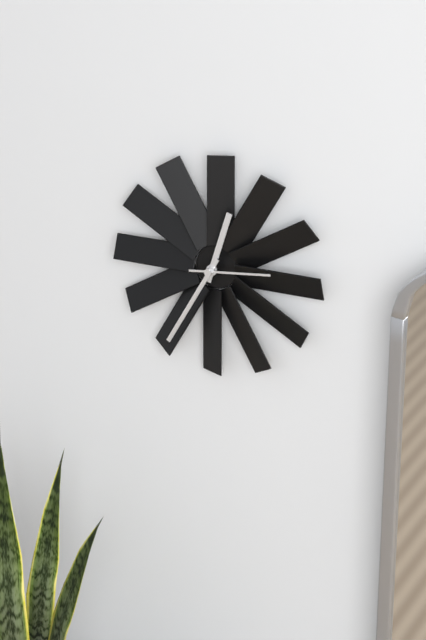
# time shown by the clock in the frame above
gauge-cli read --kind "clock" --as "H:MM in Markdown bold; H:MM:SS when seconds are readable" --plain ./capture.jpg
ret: **12:35:14**
